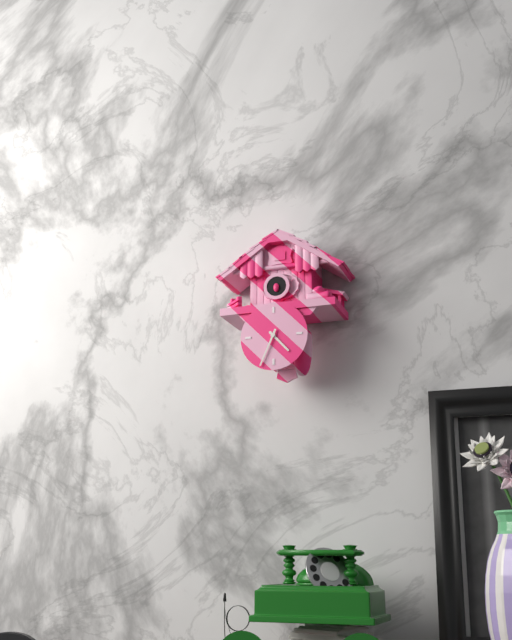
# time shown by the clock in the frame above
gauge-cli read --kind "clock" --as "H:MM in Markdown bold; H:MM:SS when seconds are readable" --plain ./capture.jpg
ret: **4:34**
